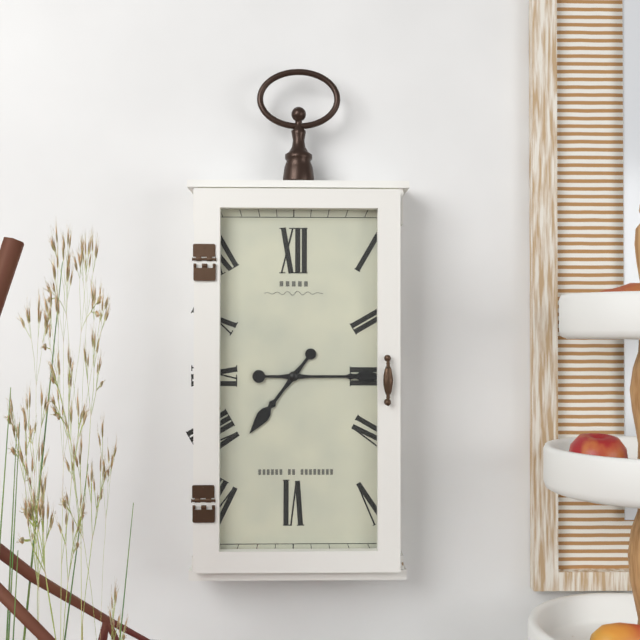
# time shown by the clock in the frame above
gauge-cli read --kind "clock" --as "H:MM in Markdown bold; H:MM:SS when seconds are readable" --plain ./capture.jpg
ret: **7:15**
